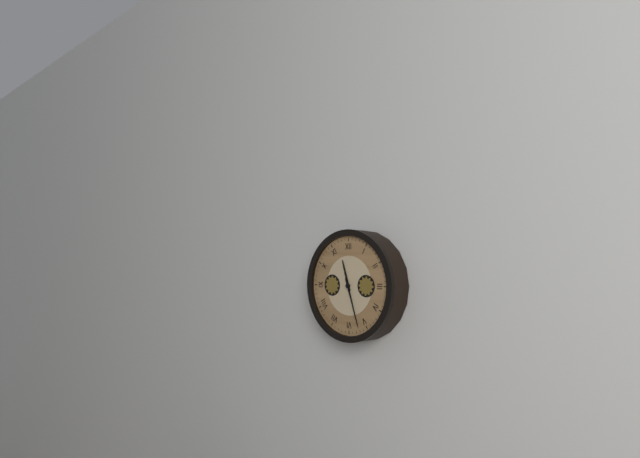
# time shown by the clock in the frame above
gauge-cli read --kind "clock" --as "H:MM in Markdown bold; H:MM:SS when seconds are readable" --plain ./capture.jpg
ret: **11:27**
